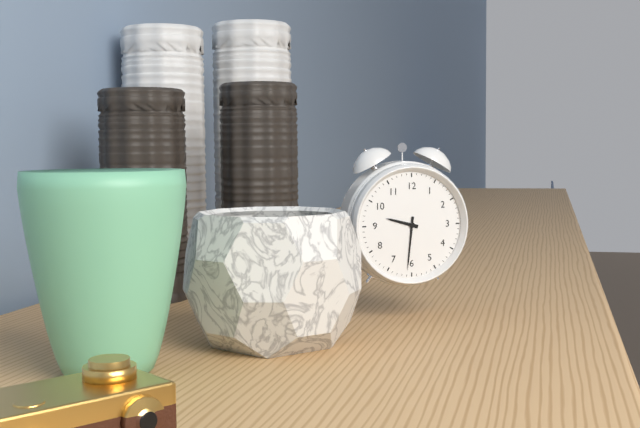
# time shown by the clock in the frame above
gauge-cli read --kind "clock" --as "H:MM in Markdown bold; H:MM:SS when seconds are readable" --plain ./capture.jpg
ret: **9:31**
